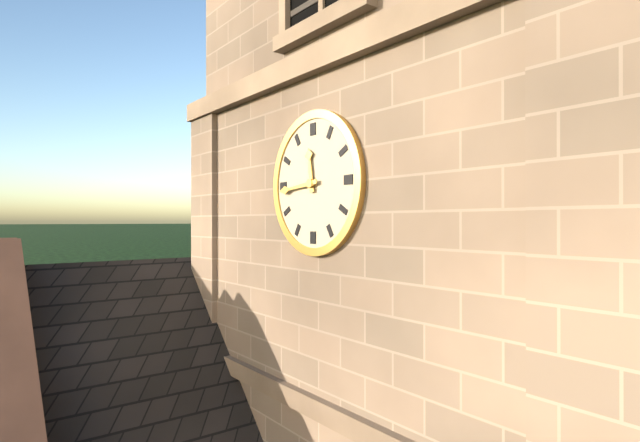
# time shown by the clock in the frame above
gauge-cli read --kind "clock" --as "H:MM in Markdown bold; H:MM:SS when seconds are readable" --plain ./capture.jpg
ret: **11:44**
